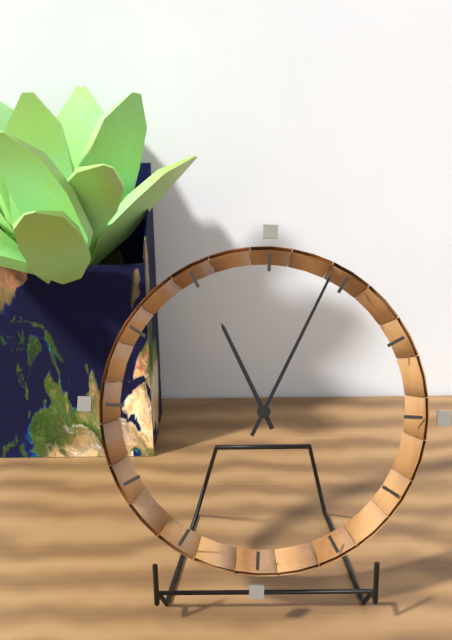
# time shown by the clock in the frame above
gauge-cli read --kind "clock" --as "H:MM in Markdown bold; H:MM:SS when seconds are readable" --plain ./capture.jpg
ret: **11:04**
